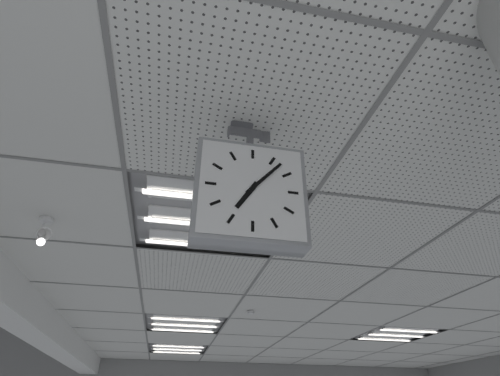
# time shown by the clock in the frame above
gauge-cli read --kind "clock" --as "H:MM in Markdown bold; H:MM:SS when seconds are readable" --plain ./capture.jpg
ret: **7:07**
